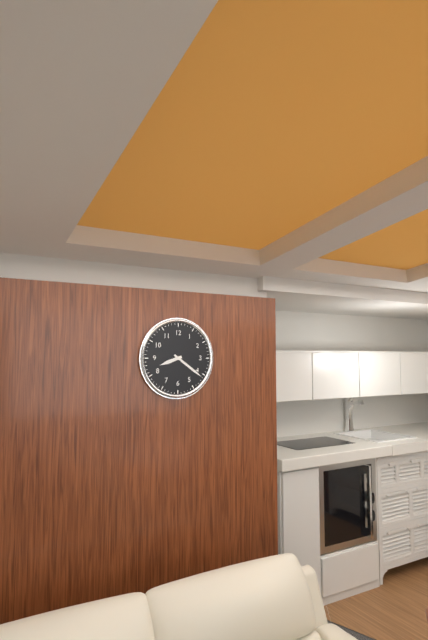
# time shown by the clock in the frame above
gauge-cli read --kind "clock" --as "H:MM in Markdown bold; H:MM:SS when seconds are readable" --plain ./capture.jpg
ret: **8:21**
